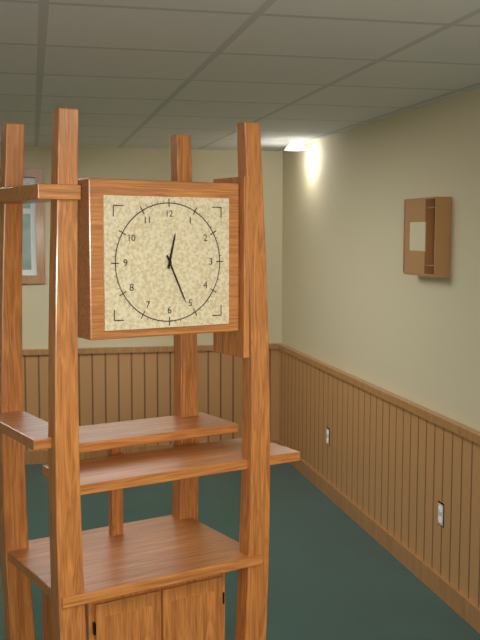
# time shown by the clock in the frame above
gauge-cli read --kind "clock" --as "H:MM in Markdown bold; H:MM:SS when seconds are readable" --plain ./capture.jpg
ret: **12:26**
